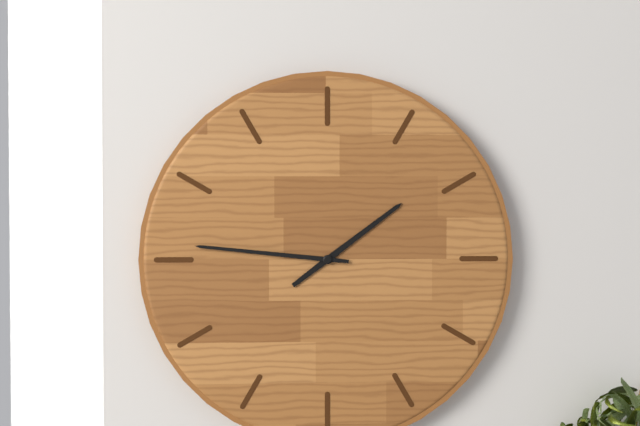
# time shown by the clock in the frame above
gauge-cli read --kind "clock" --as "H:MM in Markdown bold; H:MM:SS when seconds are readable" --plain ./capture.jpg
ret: **1:46**
